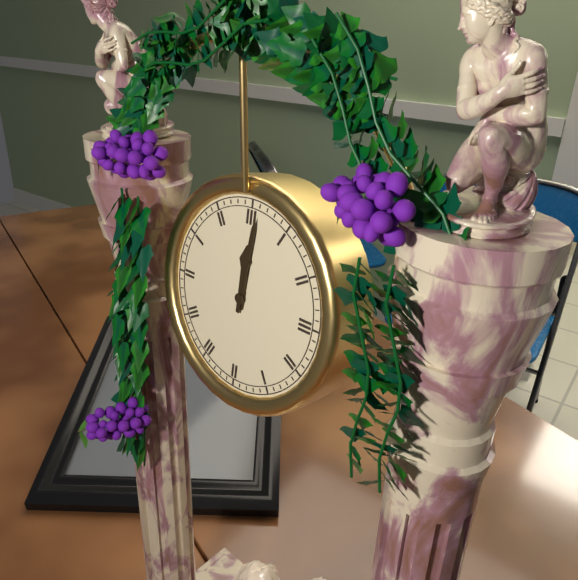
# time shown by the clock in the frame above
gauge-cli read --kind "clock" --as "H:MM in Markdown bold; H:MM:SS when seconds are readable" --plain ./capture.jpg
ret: **12:01**
